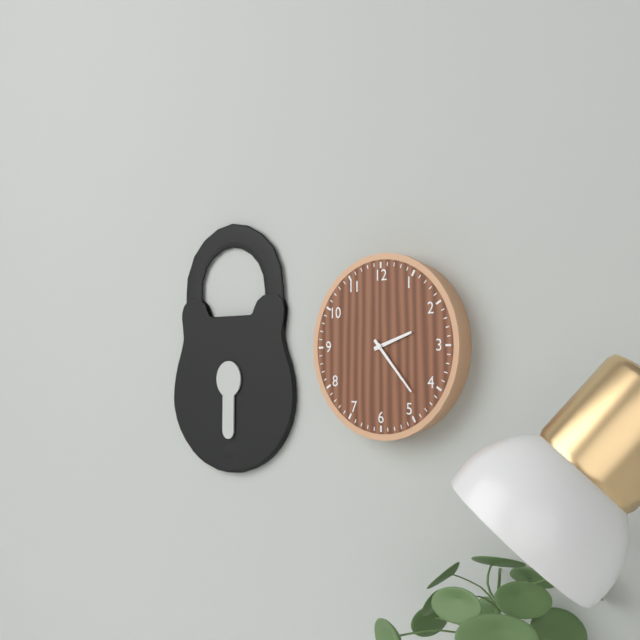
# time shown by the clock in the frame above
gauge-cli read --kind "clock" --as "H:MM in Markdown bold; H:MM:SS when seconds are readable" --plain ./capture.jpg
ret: **2:23**
